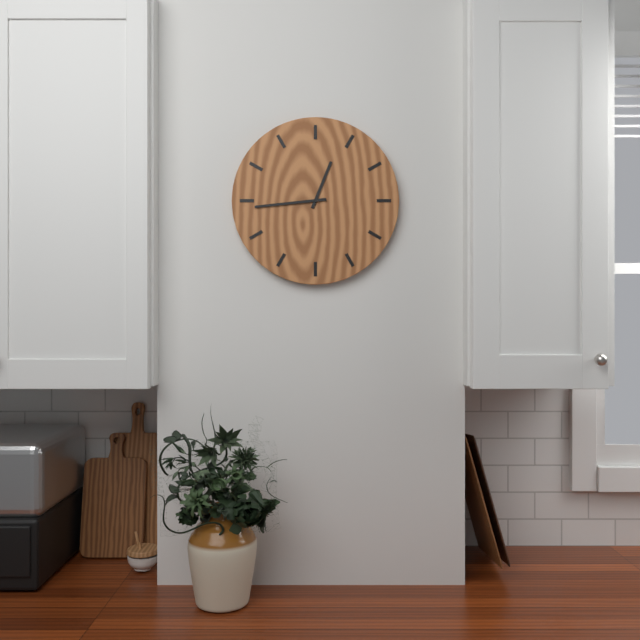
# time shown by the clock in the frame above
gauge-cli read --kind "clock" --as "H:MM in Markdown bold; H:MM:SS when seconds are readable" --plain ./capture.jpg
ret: **12:44**
